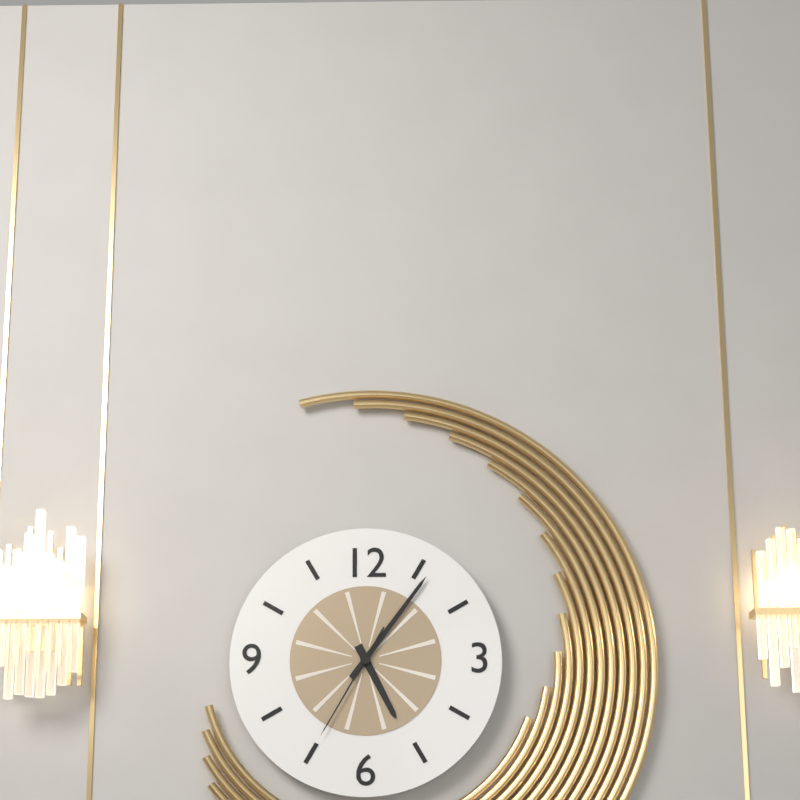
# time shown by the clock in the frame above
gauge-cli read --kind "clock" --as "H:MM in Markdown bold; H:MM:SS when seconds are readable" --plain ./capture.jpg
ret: **5:06:35**
